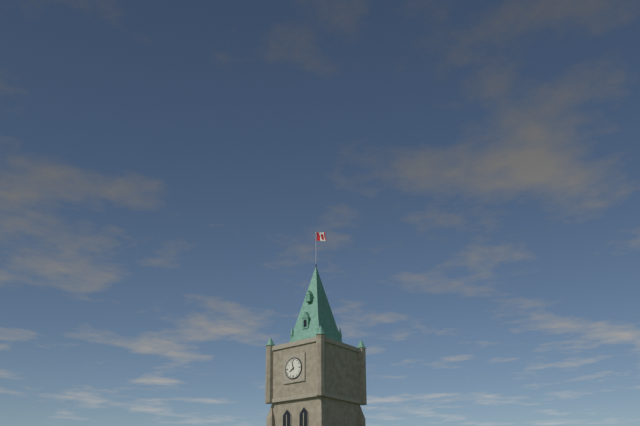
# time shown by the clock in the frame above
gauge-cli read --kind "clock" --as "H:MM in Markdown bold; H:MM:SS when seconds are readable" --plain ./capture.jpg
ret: **7:58**
